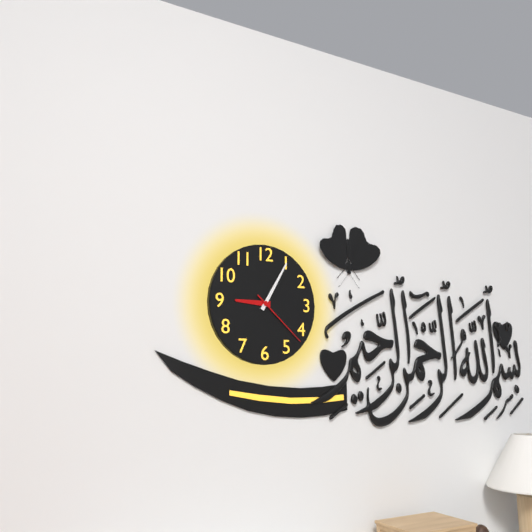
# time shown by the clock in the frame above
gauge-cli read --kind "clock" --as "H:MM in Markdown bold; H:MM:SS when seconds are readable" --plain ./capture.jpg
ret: **9:05:22**
